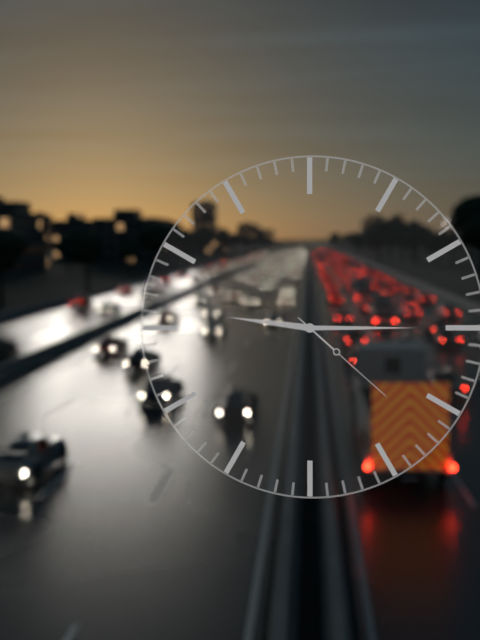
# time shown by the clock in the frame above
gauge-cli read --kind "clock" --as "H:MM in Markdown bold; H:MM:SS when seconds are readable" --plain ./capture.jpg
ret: **9:15:22**
